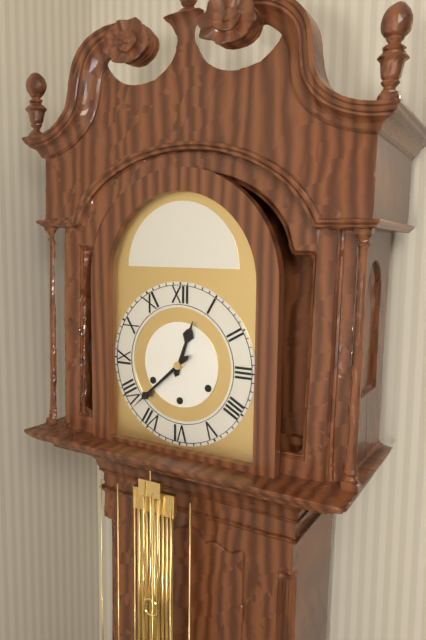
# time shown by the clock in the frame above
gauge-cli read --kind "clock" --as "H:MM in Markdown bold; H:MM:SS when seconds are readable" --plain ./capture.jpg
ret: **12:38**
